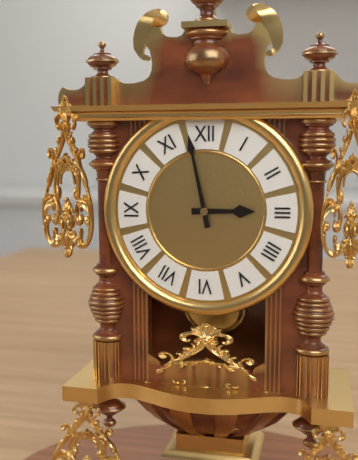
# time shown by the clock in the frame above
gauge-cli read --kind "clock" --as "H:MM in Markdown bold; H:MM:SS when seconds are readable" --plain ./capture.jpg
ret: **2:58**
